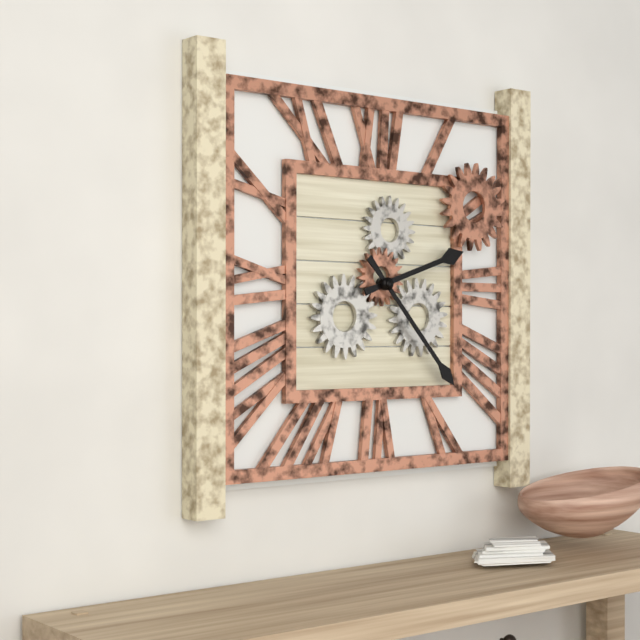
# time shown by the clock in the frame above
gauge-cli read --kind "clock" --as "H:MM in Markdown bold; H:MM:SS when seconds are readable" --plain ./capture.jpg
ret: **2:23**
